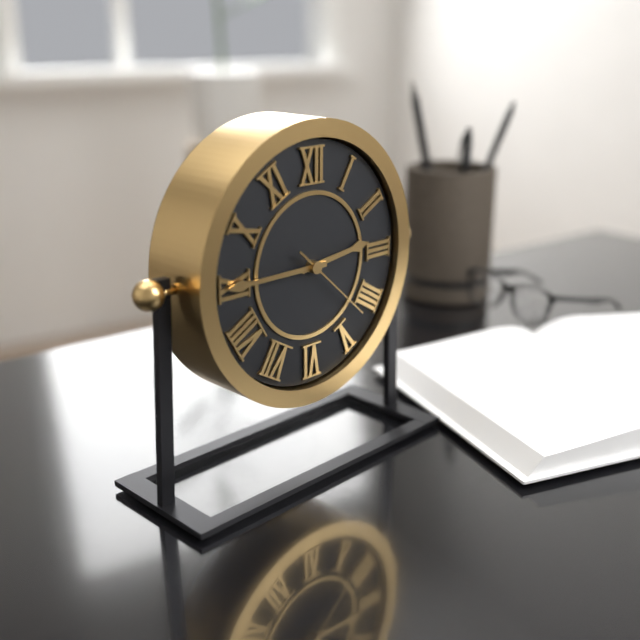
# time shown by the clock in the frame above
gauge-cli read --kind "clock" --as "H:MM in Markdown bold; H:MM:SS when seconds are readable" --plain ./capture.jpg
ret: **2:45:22**
